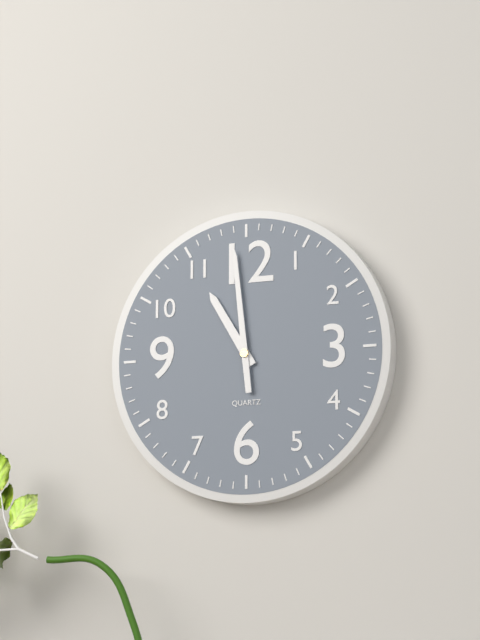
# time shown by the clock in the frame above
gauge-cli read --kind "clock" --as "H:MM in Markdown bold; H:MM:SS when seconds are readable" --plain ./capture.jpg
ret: **10:59**
